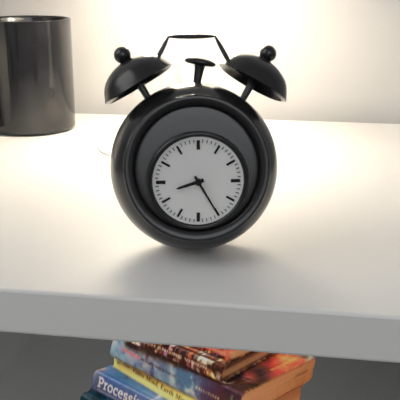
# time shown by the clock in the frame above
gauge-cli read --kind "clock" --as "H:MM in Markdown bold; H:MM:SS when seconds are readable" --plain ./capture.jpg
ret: **8:25**
